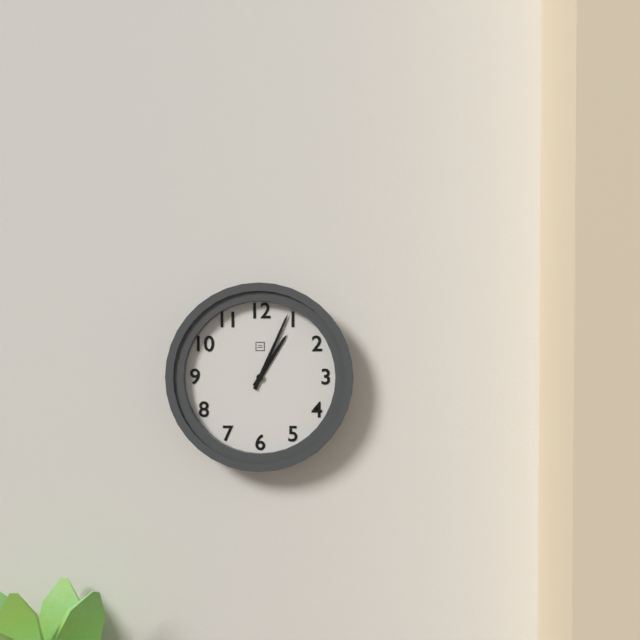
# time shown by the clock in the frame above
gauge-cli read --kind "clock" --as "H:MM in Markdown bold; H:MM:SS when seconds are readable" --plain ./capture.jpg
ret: **1:04**
